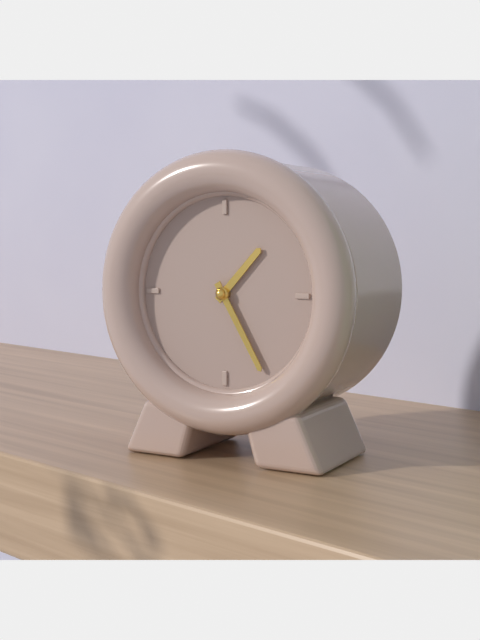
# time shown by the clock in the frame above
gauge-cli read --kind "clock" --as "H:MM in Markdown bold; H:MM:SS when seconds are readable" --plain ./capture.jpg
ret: **1:25**
